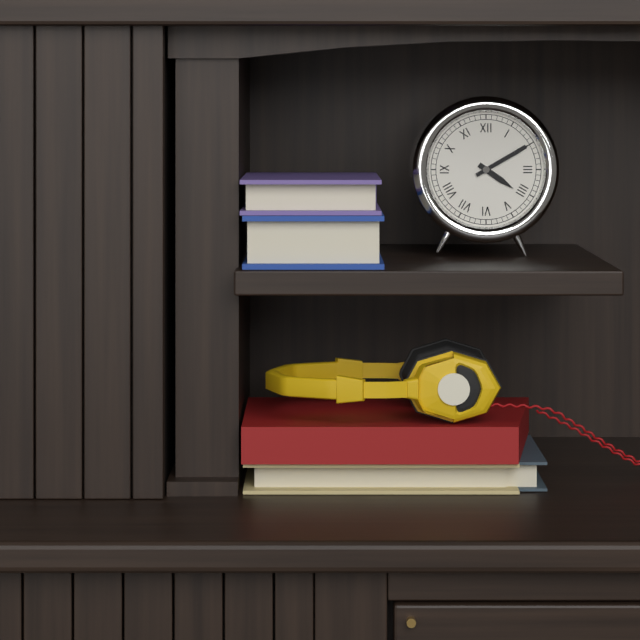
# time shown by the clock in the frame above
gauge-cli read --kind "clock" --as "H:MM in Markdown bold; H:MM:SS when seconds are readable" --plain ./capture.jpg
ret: **4:10**
